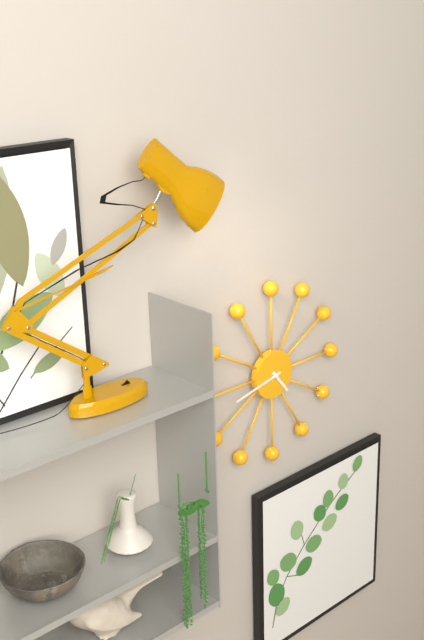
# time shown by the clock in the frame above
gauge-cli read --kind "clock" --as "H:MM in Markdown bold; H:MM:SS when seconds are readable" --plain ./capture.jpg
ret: **4:43**
